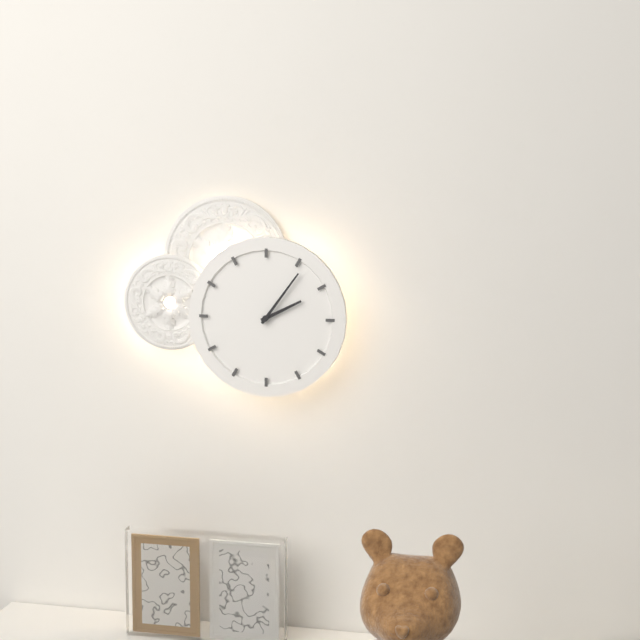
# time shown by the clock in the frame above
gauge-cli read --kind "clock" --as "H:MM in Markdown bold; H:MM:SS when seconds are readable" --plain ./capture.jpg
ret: **2:06**
